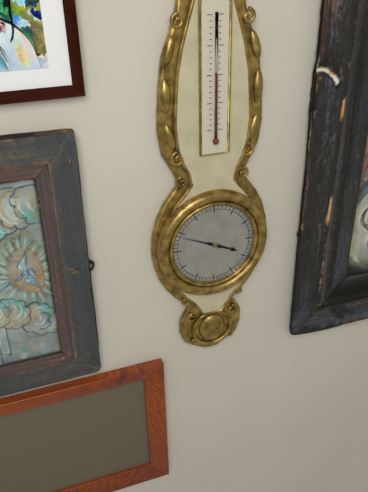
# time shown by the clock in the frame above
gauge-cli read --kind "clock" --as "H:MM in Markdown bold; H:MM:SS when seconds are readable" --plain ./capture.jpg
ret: **3:49**
